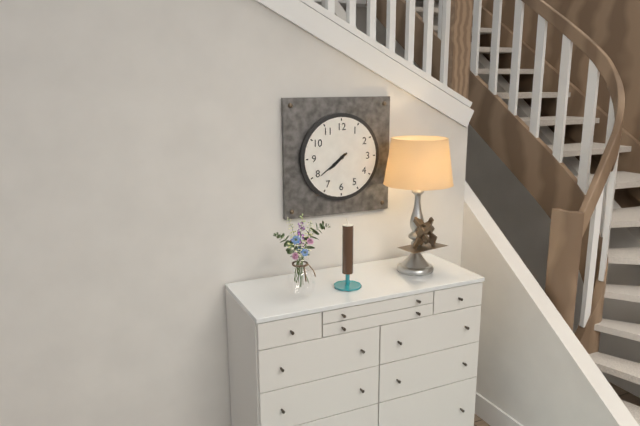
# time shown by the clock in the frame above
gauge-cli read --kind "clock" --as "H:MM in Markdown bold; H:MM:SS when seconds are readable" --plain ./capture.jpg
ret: **7:39**
